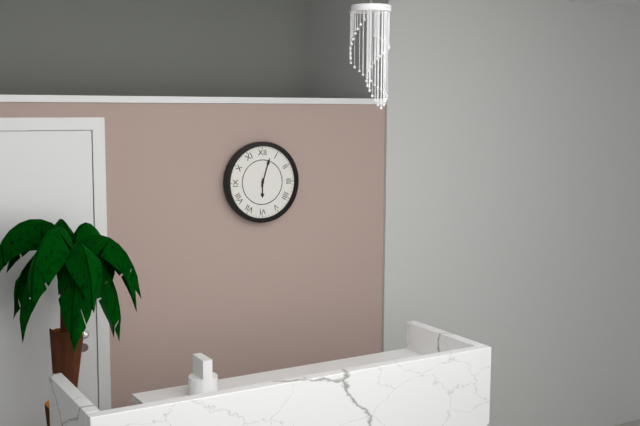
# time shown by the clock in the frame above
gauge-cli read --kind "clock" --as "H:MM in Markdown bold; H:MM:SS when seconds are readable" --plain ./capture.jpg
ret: **6:03**
